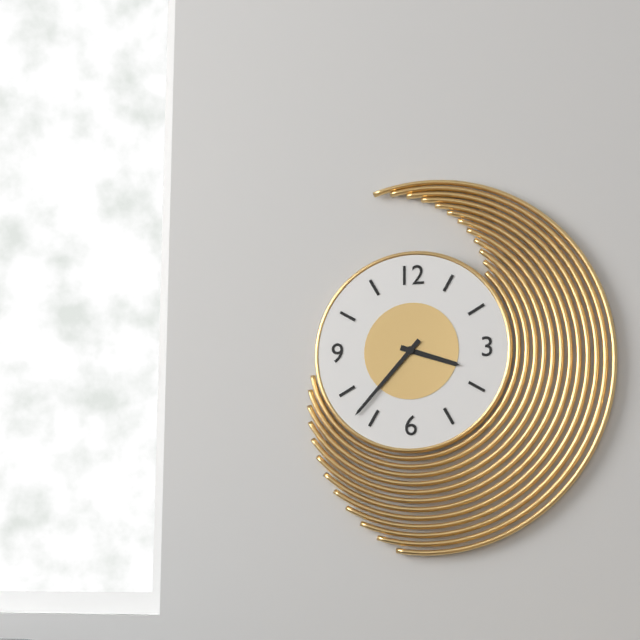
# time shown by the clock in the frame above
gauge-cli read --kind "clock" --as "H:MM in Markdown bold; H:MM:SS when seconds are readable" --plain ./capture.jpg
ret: **3:37**
